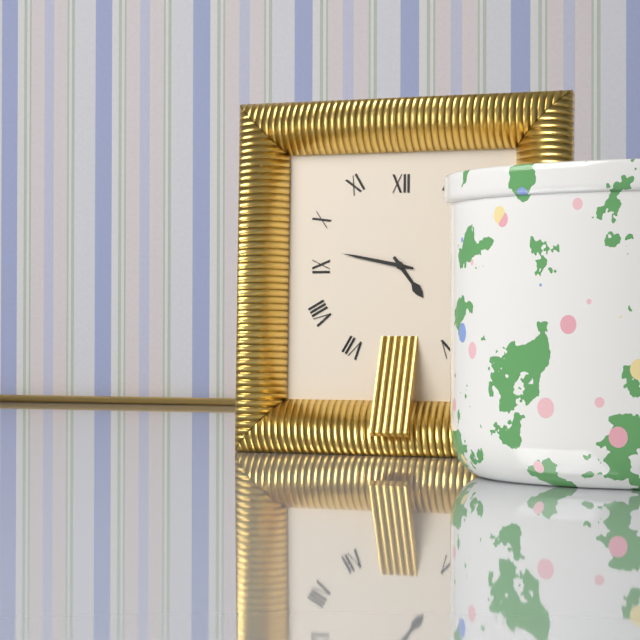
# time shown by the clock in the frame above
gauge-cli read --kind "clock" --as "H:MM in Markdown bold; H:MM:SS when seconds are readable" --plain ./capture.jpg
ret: **4:47**
